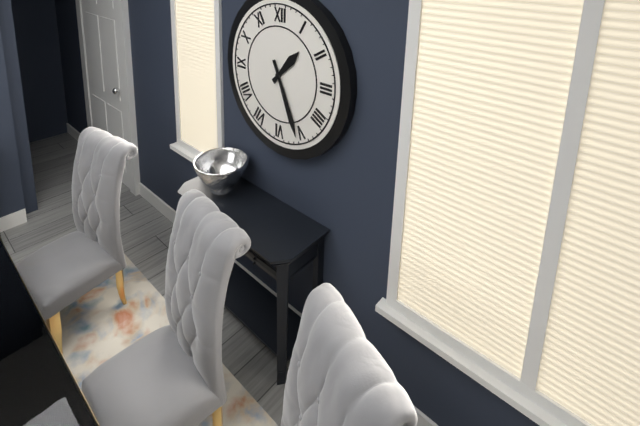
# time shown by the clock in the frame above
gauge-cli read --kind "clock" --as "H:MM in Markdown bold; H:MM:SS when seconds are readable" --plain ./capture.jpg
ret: **1:26**
